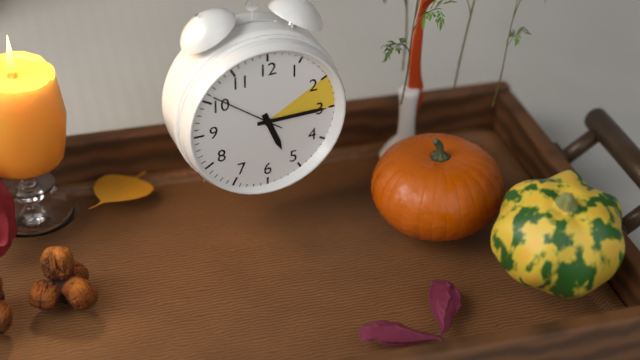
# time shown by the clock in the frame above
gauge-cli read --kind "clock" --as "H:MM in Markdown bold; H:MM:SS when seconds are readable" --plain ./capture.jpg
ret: **5:15:51**
